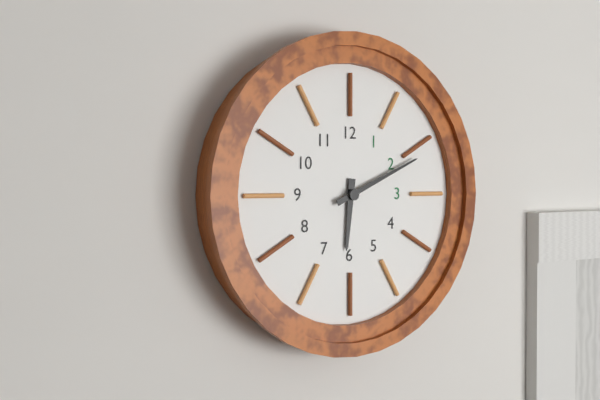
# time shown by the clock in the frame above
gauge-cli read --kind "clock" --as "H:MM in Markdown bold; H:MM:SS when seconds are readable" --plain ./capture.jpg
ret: **6:11**
